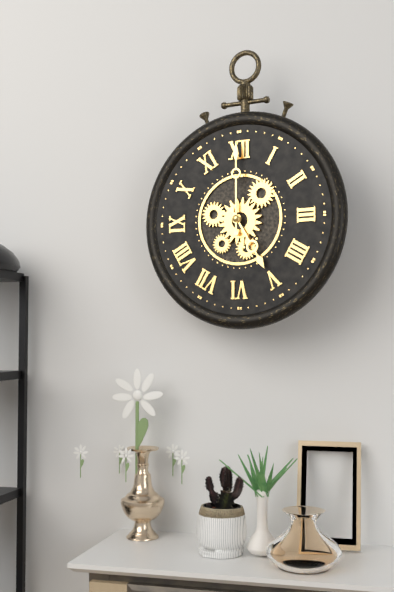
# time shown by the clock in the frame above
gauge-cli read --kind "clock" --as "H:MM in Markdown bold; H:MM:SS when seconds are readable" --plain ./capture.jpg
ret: **5:00**
